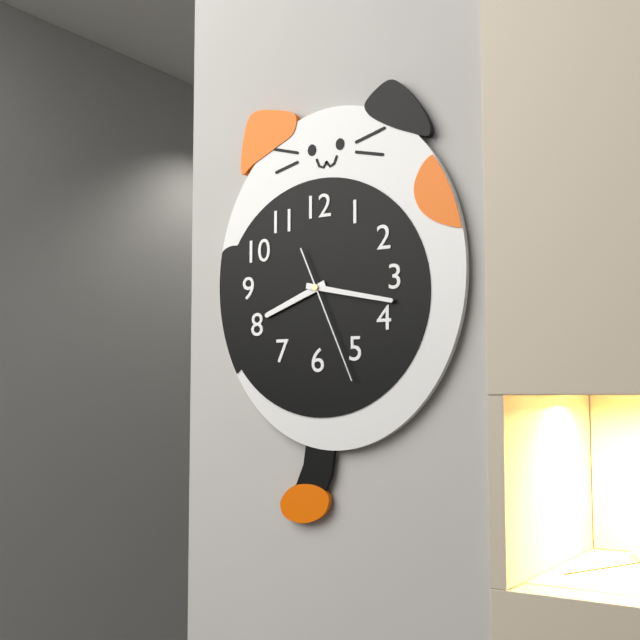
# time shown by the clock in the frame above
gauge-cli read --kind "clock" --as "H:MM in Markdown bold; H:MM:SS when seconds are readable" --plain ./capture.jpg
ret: **8:17:26**
